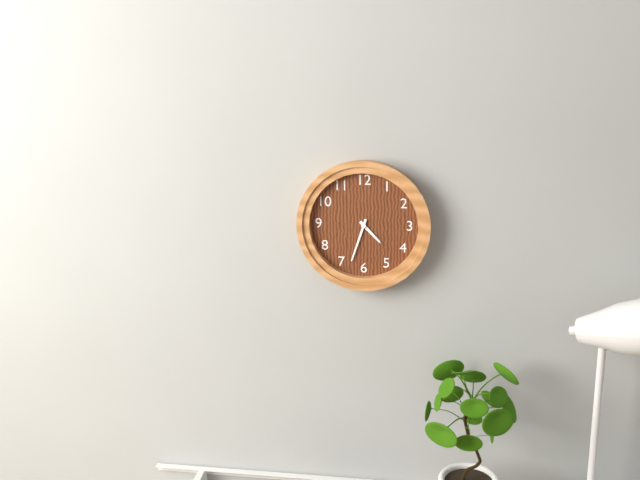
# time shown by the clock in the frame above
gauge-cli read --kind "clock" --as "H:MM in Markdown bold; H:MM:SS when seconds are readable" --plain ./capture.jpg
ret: **4:33**
